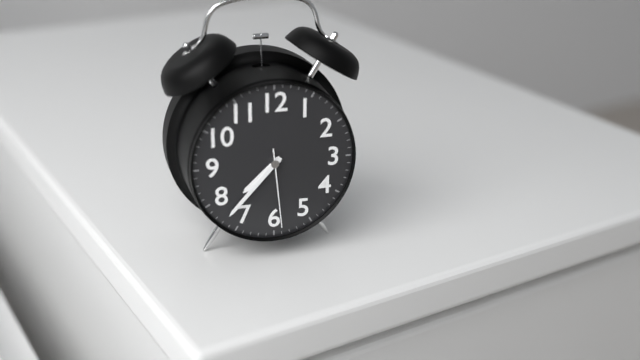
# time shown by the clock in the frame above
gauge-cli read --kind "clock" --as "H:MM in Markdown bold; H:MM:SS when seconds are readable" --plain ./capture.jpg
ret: **7:37:29**
